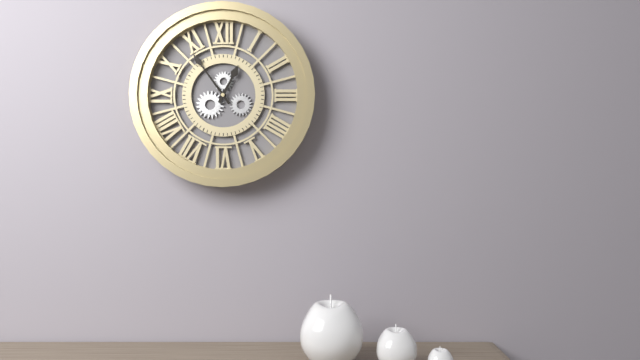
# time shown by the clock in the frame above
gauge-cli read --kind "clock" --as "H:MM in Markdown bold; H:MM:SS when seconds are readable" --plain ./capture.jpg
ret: **12:54**
